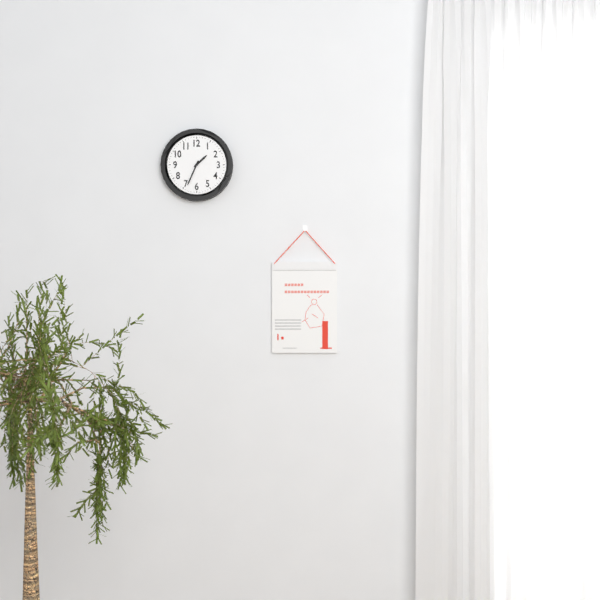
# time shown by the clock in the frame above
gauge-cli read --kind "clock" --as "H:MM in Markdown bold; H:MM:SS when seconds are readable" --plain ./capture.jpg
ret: **1:34**
